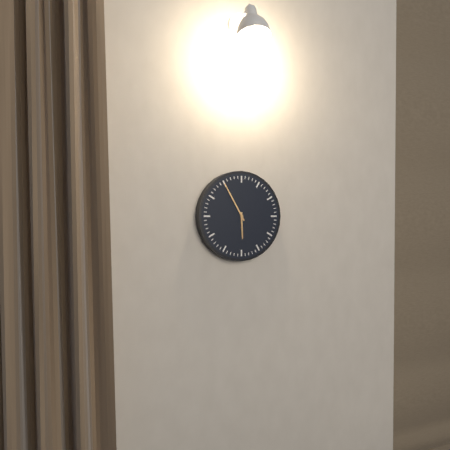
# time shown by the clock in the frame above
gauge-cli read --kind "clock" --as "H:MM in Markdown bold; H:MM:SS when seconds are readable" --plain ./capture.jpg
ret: **5:55**
